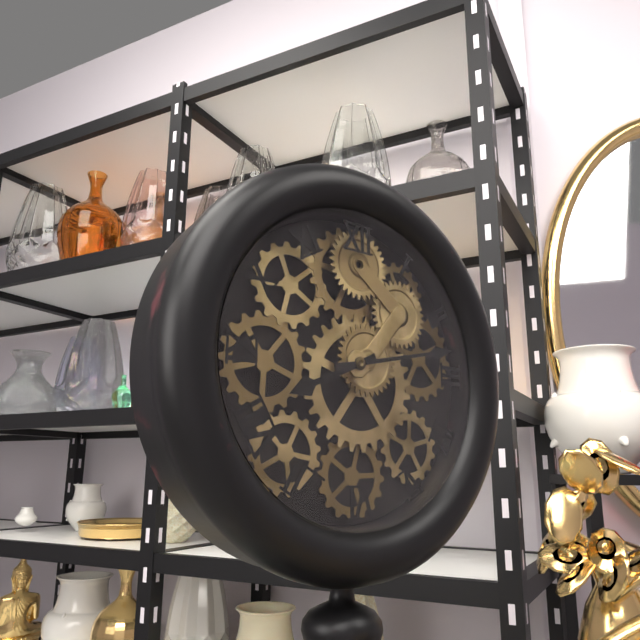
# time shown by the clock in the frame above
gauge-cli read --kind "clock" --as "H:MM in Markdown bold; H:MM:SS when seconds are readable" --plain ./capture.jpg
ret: **8:13**
